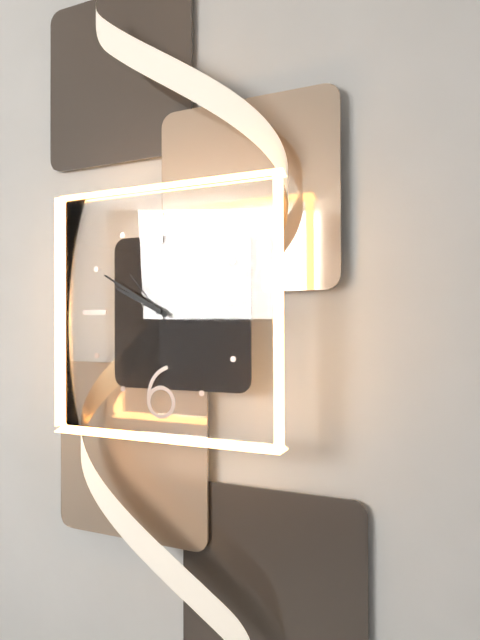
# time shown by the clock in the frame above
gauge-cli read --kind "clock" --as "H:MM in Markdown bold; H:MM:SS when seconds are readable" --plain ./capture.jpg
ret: **9:50:53**
